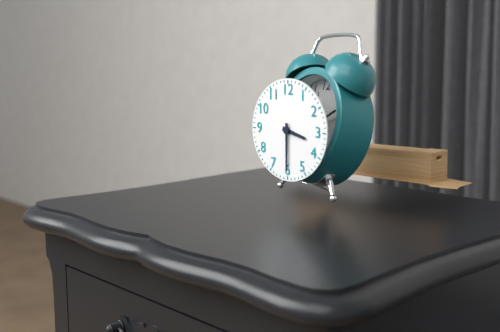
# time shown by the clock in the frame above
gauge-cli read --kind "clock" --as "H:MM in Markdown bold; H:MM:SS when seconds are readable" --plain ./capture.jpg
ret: **3:30**
